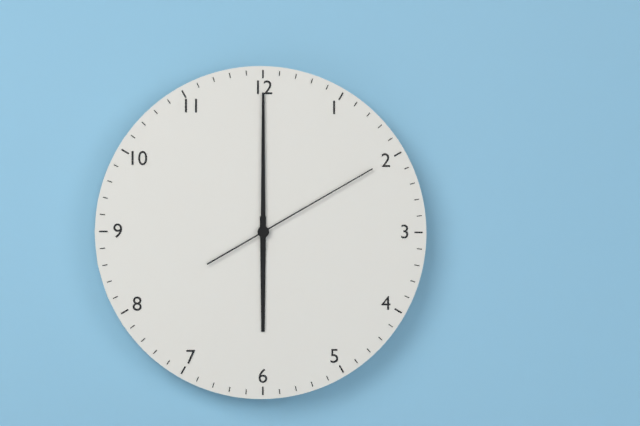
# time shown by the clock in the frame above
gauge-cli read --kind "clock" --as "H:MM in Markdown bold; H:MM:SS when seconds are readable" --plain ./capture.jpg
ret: **6:00:10**
